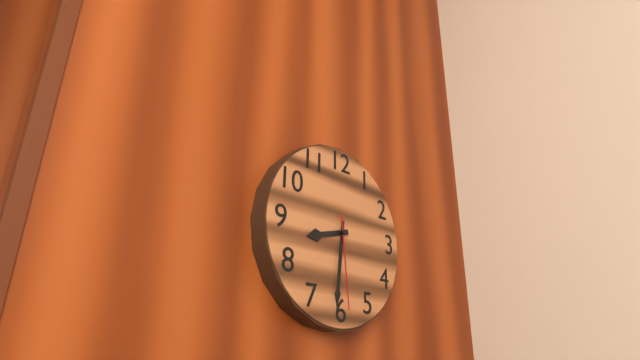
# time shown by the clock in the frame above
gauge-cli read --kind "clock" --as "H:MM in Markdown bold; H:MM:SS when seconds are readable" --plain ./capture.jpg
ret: **8:31:29**
